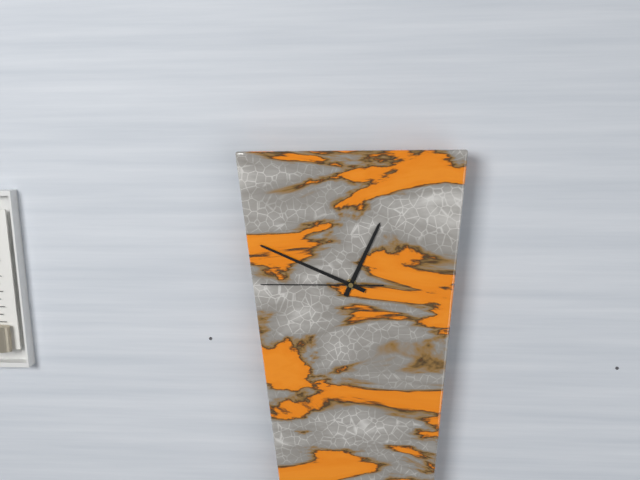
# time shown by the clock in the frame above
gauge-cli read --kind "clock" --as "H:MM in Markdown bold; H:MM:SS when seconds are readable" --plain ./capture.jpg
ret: **12:49:45**
